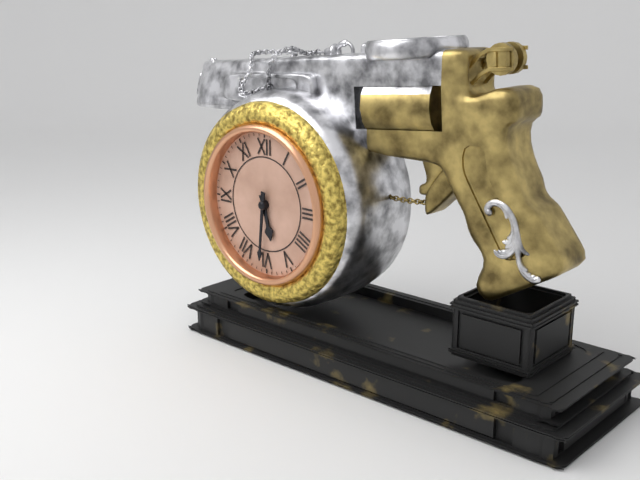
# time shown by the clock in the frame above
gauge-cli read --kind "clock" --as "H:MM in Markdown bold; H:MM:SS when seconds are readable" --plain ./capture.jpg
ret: **5:31**
